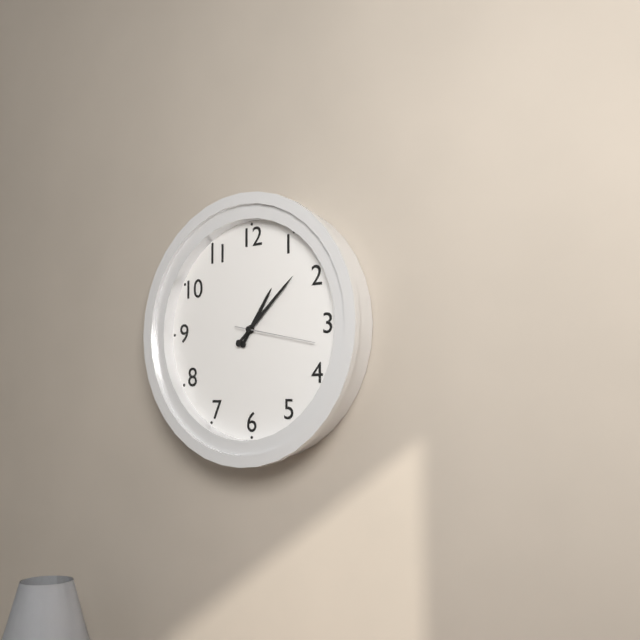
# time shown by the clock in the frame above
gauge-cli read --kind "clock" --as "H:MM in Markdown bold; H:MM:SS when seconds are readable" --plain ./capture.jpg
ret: **1:08:17**
